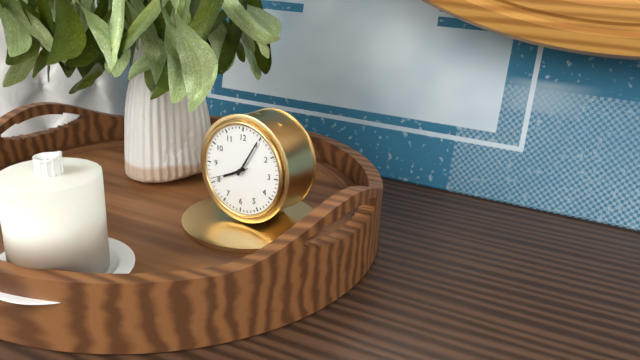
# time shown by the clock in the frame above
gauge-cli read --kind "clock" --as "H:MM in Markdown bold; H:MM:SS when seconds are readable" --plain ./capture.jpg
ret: **8:05**
